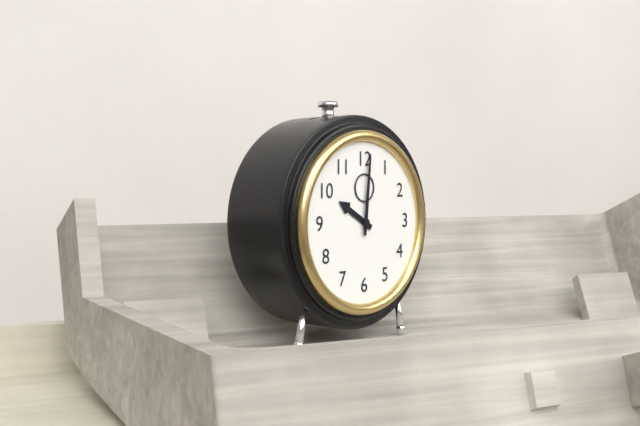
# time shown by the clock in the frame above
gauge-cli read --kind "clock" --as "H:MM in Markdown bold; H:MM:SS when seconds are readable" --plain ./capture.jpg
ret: **10:01**
